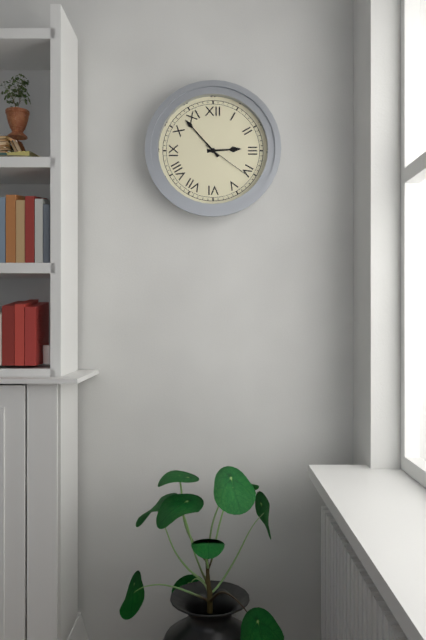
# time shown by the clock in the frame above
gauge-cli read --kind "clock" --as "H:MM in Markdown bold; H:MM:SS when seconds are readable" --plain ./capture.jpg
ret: **2:53:21**
